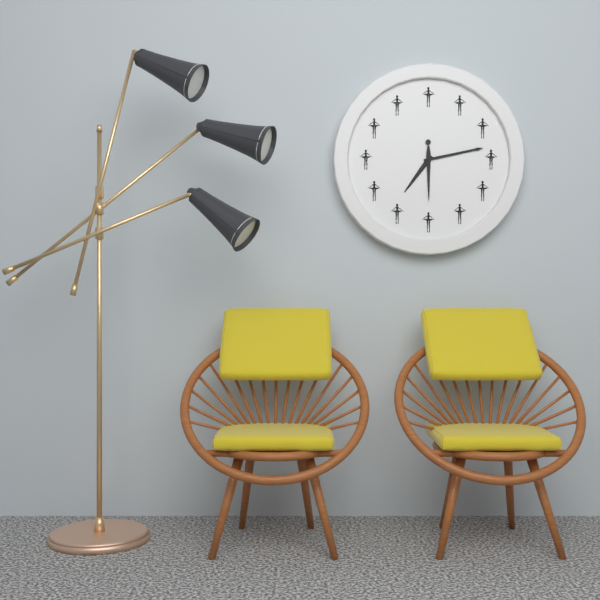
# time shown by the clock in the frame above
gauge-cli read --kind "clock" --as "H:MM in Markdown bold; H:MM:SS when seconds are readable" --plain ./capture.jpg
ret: **7:13**
